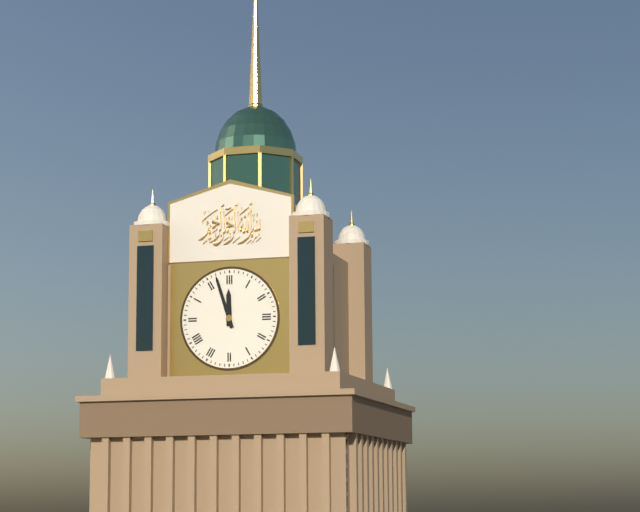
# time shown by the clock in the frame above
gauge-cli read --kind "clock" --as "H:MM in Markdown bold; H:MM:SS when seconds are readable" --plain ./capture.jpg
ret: **11:57**
